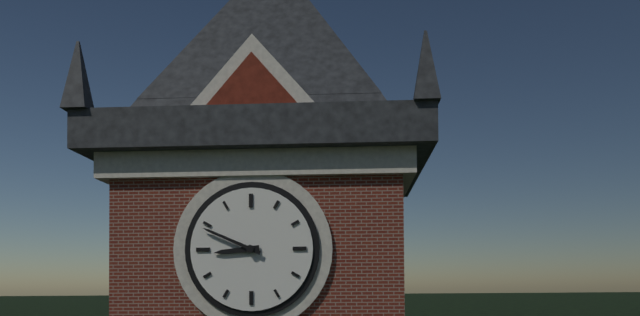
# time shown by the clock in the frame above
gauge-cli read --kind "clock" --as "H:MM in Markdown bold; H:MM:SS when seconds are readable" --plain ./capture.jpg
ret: **8:49**
